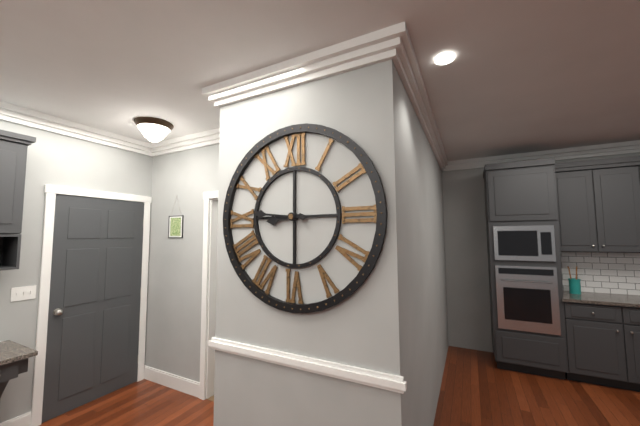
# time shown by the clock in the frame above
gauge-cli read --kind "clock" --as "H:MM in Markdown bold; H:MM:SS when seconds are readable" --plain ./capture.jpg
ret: **8:46**
